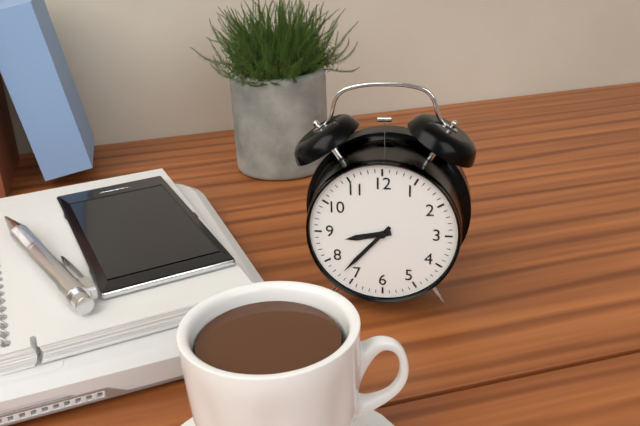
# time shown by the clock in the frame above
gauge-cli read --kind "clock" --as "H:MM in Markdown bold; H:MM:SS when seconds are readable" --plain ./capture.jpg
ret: **8:37**
